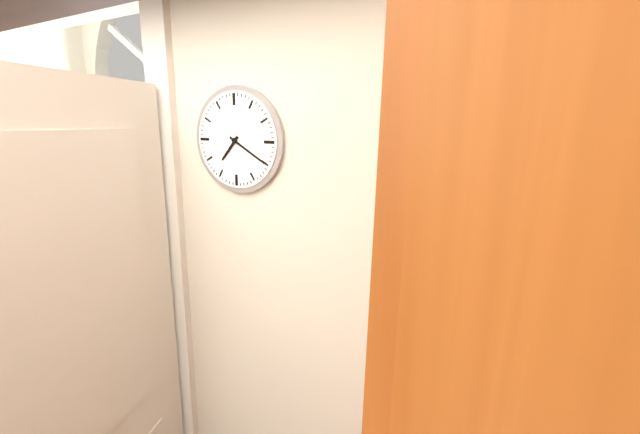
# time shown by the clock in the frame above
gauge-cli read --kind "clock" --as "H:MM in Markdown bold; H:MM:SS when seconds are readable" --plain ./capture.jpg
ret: **7:20**
